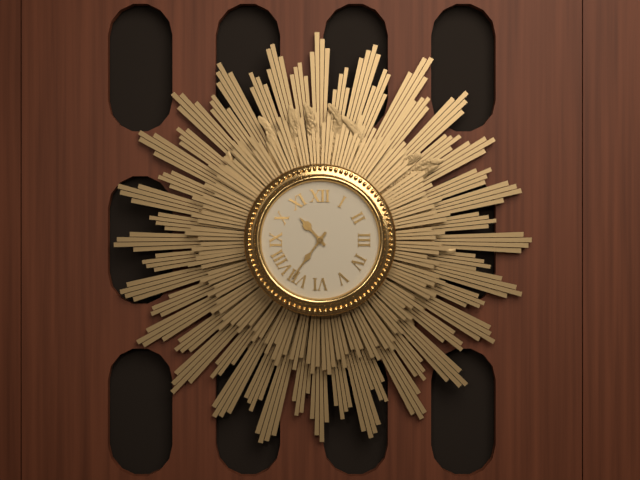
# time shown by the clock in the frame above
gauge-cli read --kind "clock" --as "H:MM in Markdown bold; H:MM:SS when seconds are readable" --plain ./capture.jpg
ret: **10:36**
